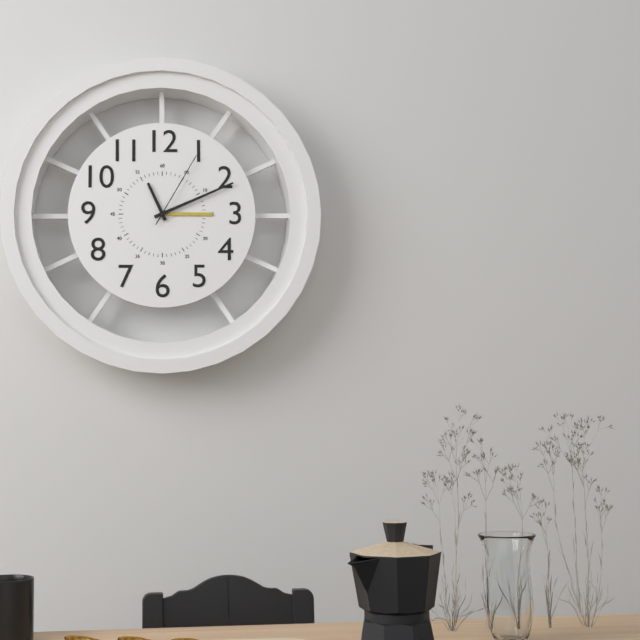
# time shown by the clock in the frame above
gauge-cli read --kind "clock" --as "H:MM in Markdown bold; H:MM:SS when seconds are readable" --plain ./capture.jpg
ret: **11:11:05**
